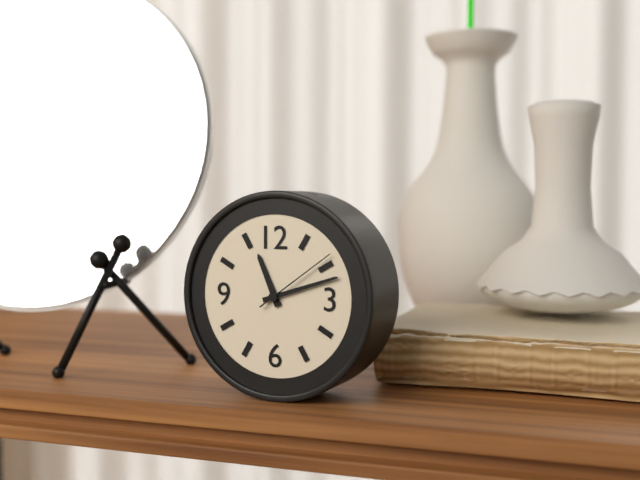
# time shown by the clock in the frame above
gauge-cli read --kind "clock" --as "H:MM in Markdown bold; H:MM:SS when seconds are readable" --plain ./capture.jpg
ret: **11:12:09**
